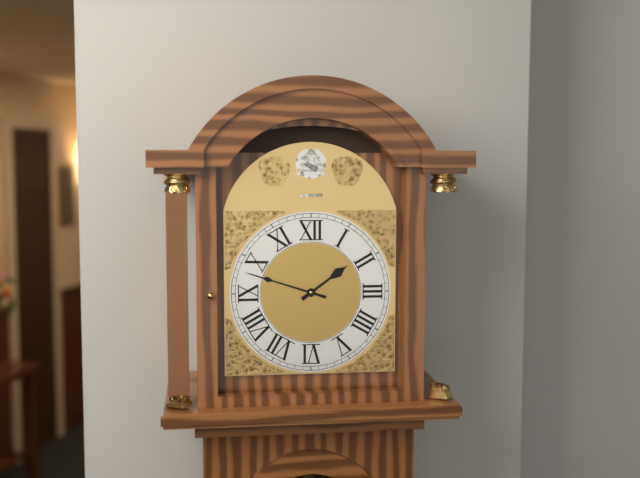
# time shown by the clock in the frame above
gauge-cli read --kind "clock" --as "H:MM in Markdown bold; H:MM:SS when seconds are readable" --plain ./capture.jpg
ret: **1:48**
